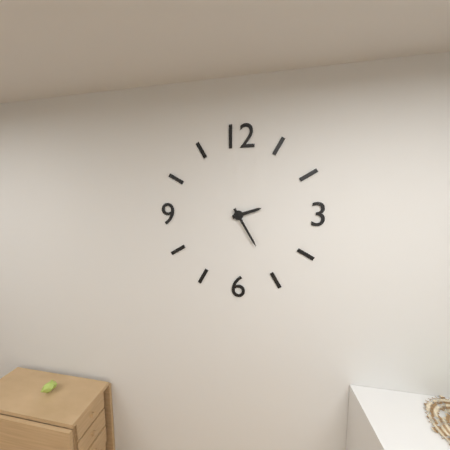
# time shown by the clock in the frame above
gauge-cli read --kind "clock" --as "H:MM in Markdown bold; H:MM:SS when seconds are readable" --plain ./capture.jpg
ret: **2:25**
